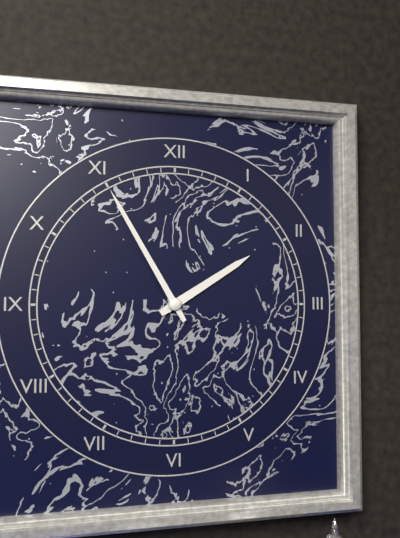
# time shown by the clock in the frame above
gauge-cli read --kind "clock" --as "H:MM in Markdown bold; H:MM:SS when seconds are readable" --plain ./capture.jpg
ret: **1:55**
